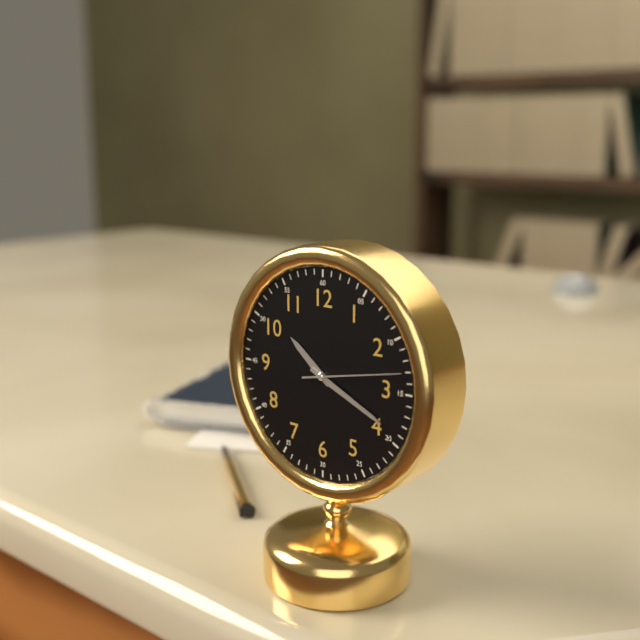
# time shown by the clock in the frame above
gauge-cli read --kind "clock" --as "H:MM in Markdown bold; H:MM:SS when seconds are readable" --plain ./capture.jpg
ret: **10:19:13**
